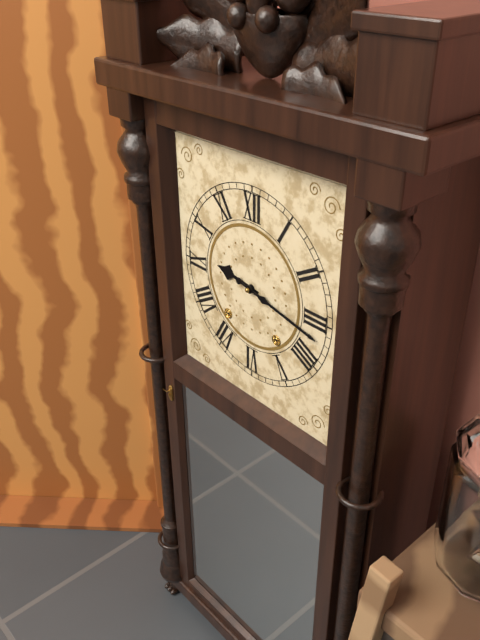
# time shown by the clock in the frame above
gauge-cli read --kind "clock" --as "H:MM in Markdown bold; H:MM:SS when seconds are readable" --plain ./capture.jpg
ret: **9:17**
